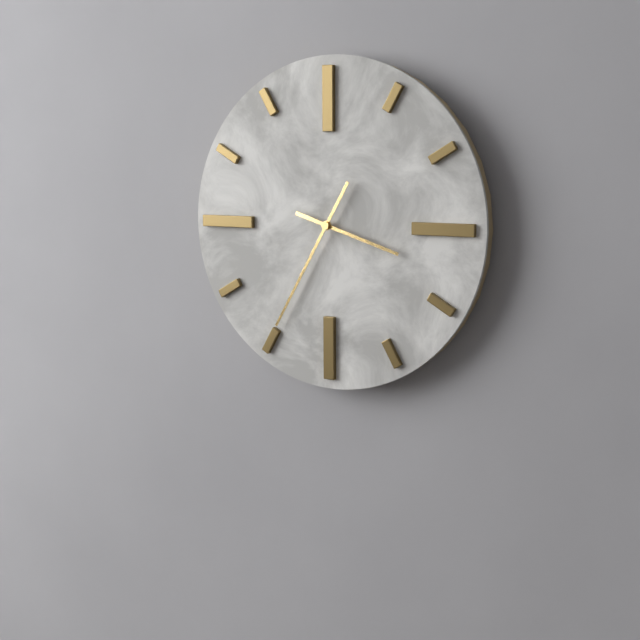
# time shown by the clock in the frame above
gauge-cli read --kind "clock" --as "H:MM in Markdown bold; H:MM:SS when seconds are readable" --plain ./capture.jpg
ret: **3:35**
